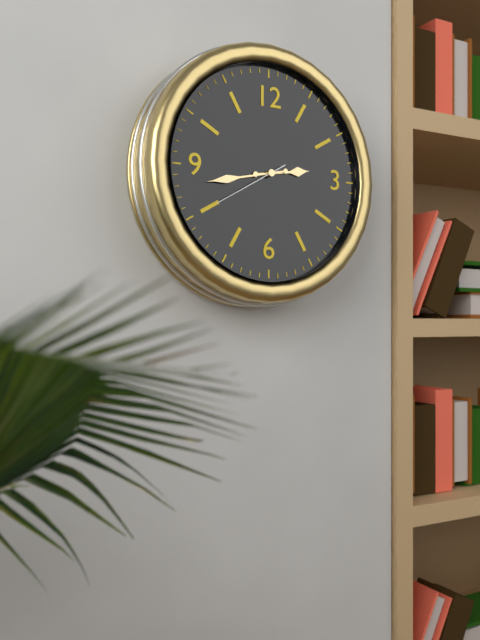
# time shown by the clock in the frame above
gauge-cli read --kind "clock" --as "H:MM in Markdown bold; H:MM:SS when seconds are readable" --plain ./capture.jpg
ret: **2:43:40**
